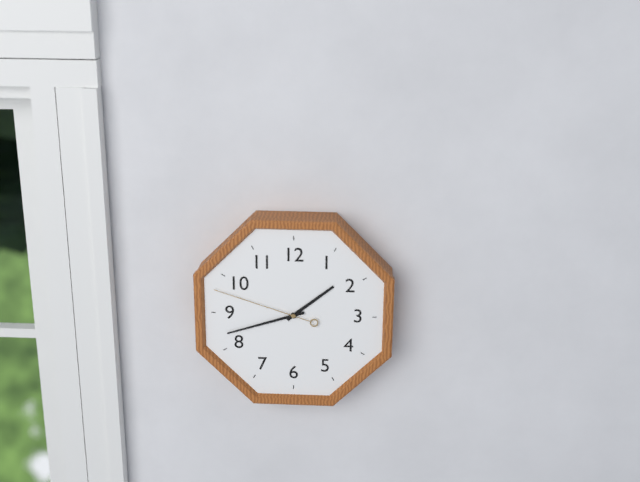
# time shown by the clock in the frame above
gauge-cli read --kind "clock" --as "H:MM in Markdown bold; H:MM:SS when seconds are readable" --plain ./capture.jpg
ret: **1:42:48**
